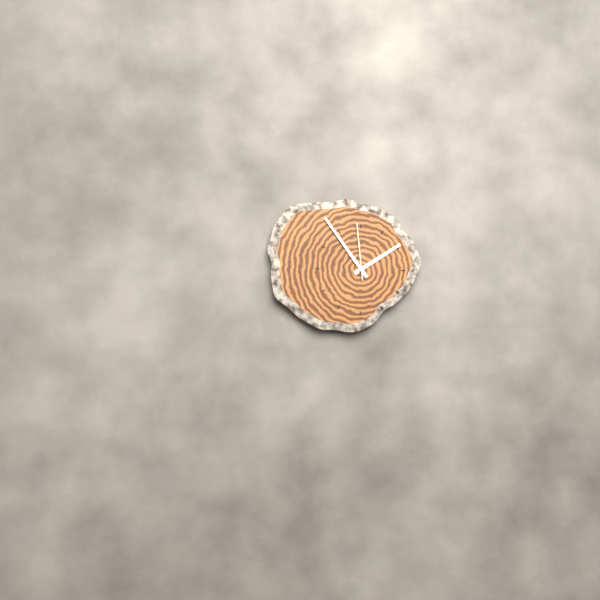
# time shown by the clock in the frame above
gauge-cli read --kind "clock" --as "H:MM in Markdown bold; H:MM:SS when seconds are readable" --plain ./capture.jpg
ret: **1:54:59**
